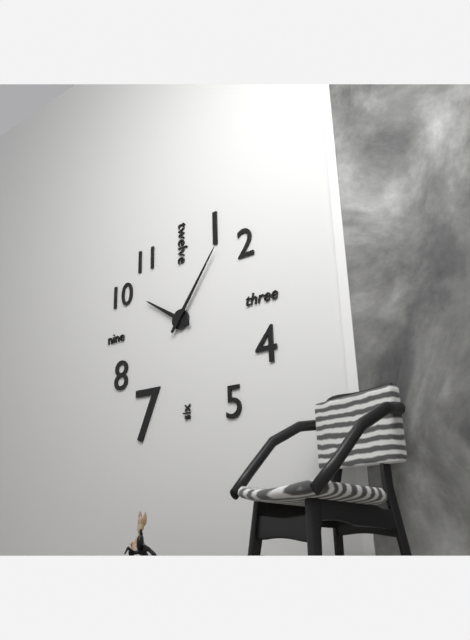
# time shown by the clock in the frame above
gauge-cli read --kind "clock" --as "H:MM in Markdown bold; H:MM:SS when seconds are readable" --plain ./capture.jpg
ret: **10:06**
